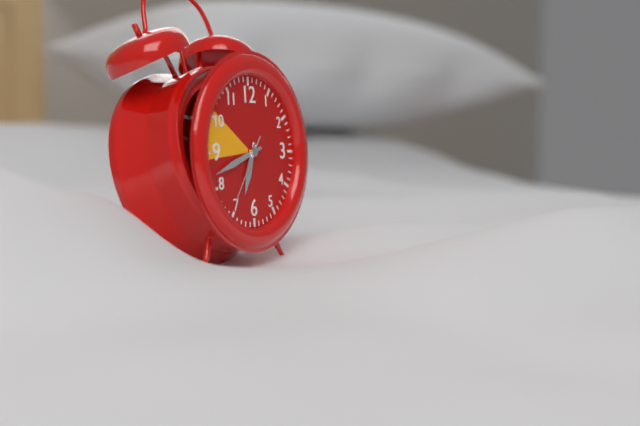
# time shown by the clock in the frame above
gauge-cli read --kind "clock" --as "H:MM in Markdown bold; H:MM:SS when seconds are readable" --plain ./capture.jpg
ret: **6:42:36**
